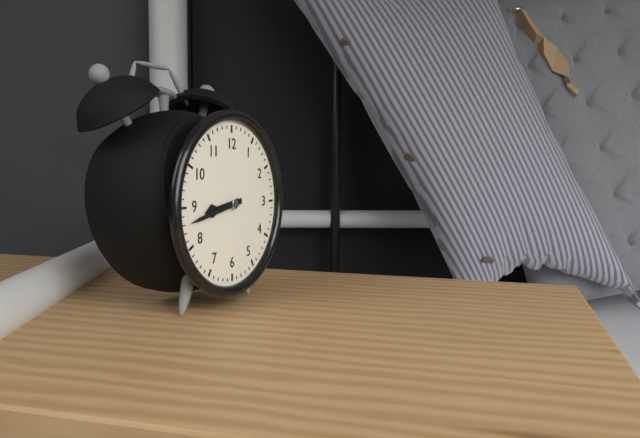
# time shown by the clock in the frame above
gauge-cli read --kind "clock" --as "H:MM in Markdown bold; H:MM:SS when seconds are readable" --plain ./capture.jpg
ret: **8:43**
